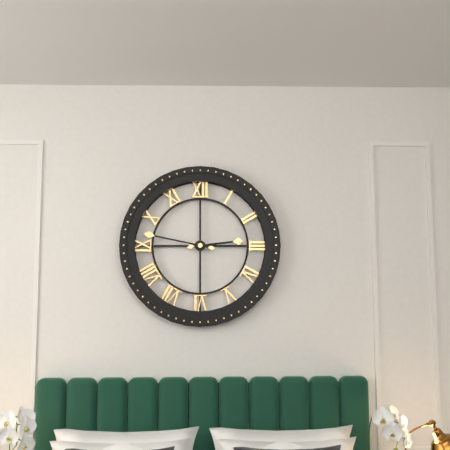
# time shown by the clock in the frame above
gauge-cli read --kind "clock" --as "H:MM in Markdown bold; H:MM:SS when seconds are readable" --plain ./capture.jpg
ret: **2:47**
